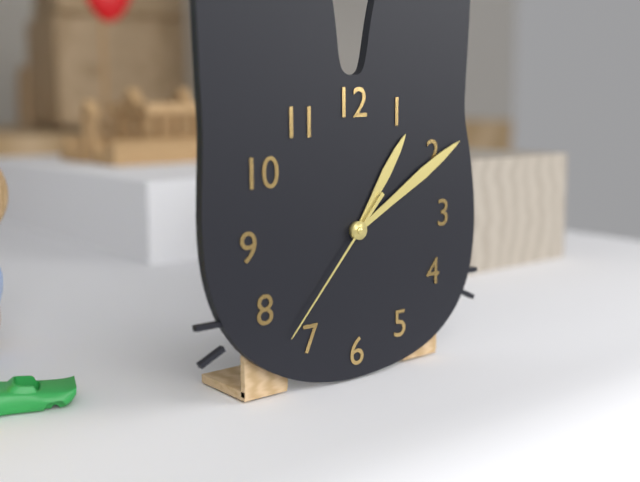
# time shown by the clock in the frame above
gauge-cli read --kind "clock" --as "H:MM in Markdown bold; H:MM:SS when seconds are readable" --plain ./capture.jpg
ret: **1:10:37**
